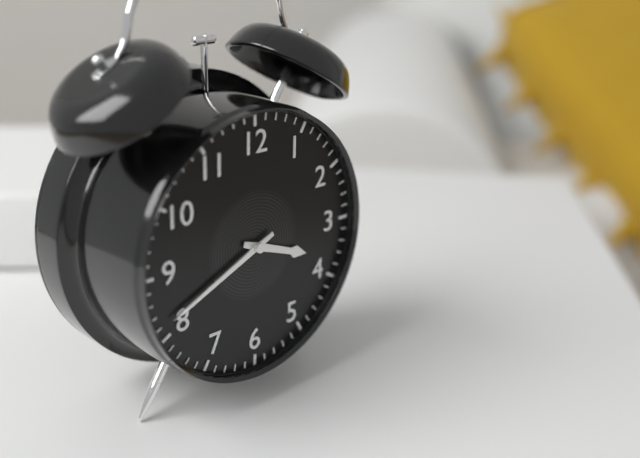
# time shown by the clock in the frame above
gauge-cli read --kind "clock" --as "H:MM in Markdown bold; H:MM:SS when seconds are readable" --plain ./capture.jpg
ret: **3:41**
